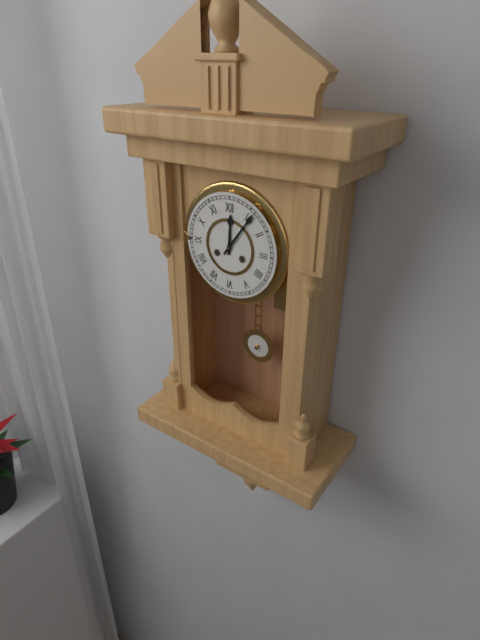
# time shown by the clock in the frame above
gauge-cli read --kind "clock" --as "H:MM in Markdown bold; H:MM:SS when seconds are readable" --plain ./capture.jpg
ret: **12:06**
